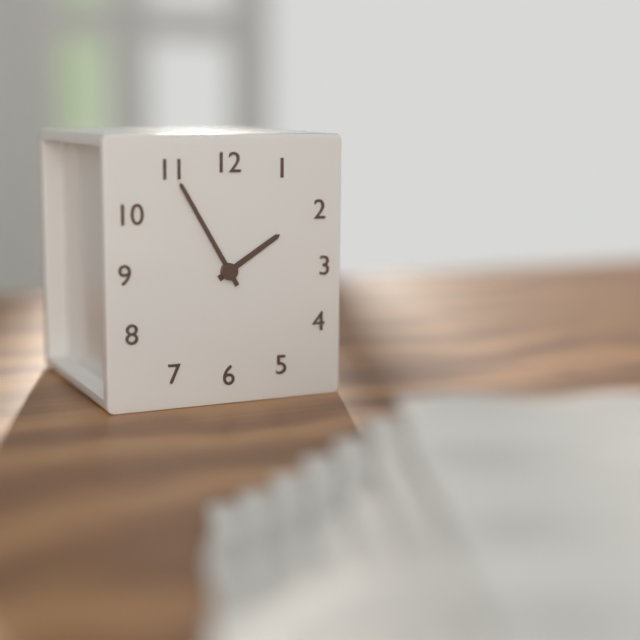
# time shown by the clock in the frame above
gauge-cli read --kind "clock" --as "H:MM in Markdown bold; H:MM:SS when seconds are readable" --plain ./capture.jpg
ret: **1:55**
